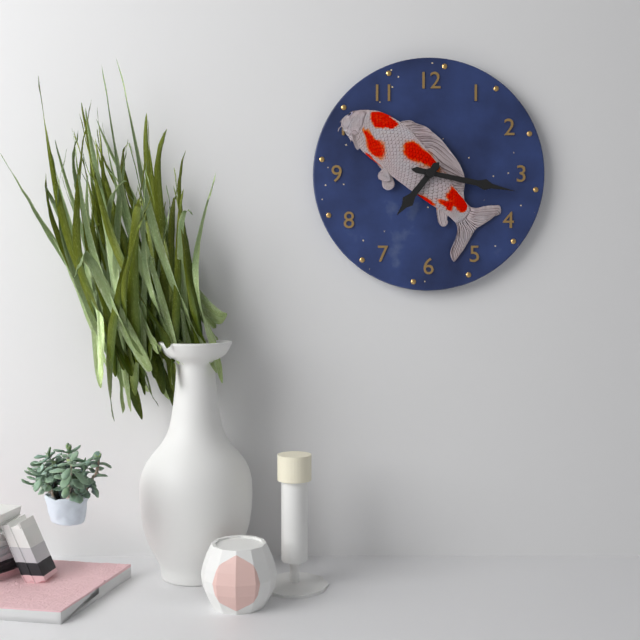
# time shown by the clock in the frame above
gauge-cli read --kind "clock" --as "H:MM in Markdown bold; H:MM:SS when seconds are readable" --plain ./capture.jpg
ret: **7:17**
